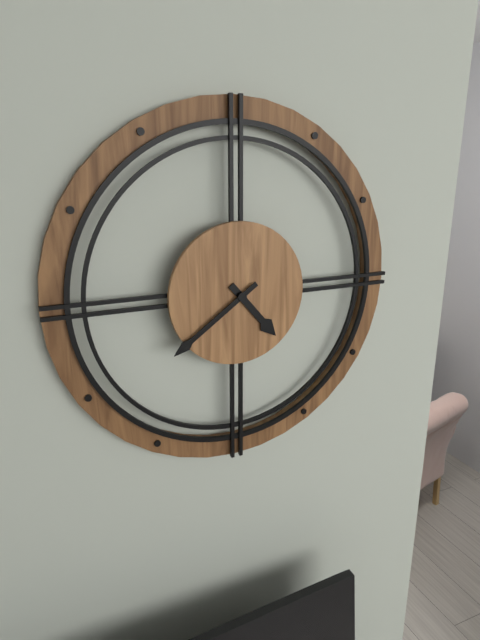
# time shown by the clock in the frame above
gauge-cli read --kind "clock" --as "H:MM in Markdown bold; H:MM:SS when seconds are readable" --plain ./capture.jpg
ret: **4:39**
